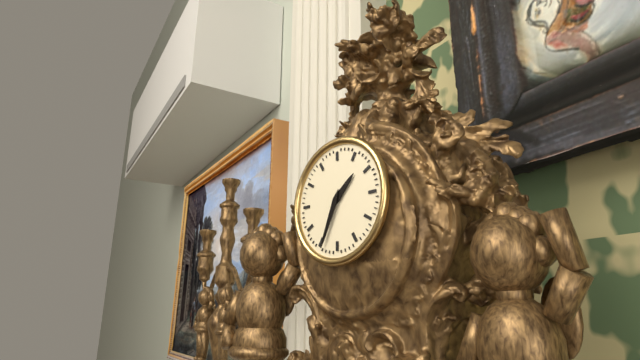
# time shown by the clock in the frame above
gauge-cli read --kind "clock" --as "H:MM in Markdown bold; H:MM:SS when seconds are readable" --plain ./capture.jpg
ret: **1:34**
